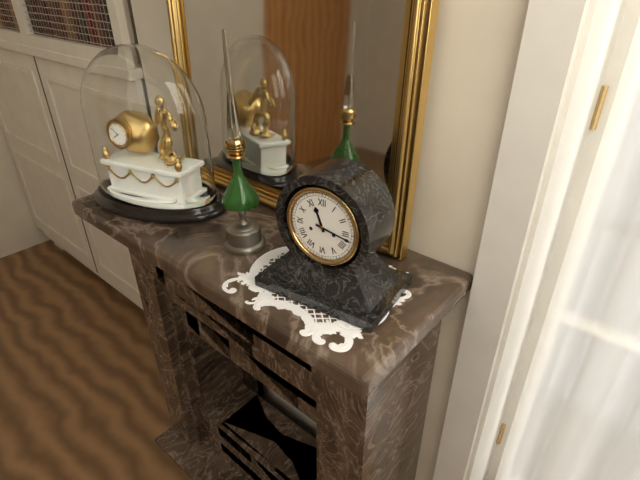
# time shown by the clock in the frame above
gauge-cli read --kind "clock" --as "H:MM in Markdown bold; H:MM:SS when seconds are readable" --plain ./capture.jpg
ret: **11:17**
